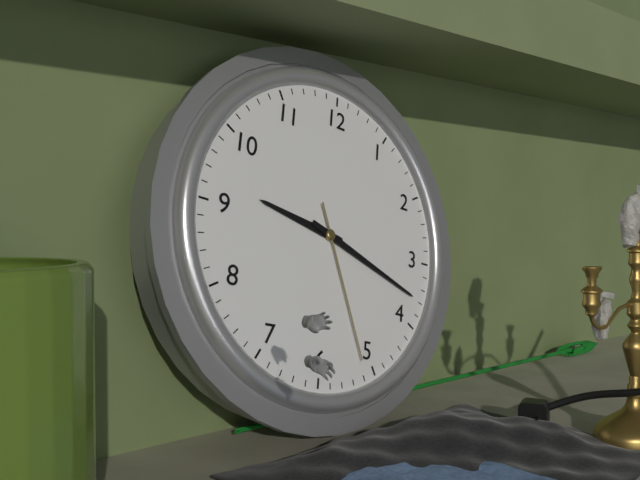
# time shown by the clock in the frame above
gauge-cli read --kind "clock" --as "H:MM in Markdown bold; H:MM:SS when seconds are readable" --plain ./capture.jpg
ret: **9:18:26**
